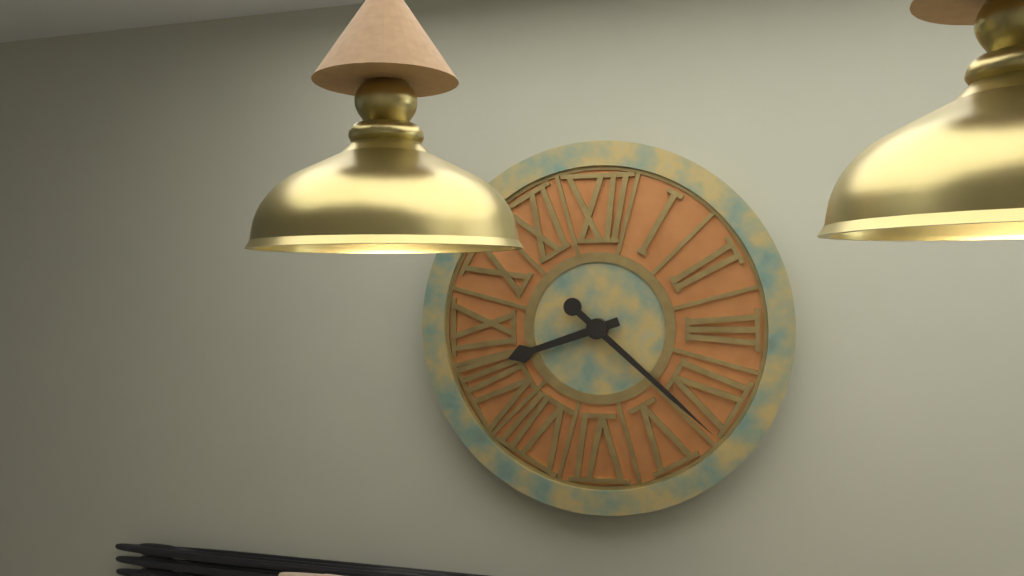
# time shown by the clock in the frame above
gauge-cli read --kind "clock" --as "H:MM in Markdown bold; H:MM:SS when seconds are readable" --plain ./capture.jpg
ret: **8:22**
